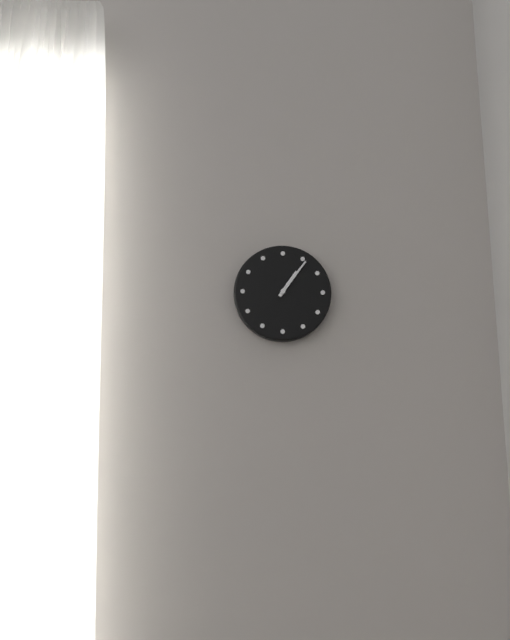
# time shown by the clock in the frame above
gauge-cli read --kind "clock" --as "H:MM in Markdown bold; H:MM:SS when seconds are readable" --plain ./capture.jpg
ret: **1:06**
